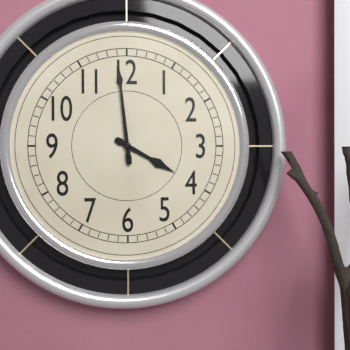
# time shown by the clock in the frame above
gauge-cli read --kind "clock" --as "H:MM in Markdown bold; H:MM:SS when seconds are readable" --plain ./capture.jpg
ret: **3:59**
